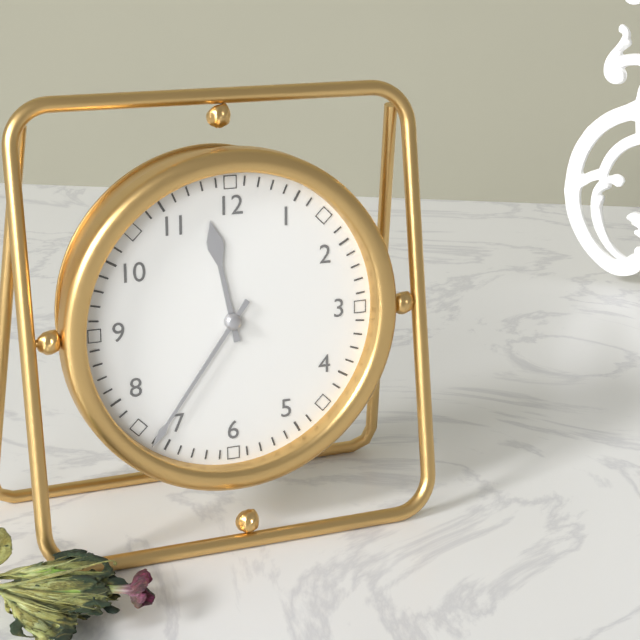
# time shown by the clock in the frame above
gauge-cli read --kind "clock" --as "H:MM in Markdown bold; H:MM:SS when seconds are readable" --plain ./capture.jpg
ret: **11:36**
